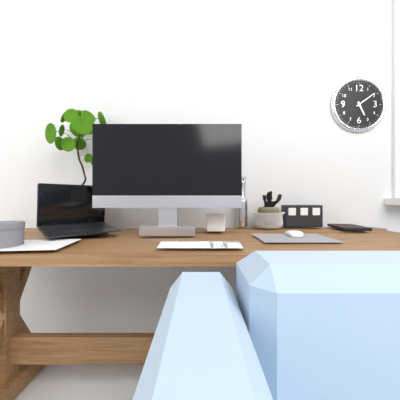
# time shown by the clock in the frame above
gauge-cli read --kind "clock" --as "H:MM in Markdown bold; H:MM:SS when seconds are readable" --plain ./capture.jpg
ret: **5:09**
